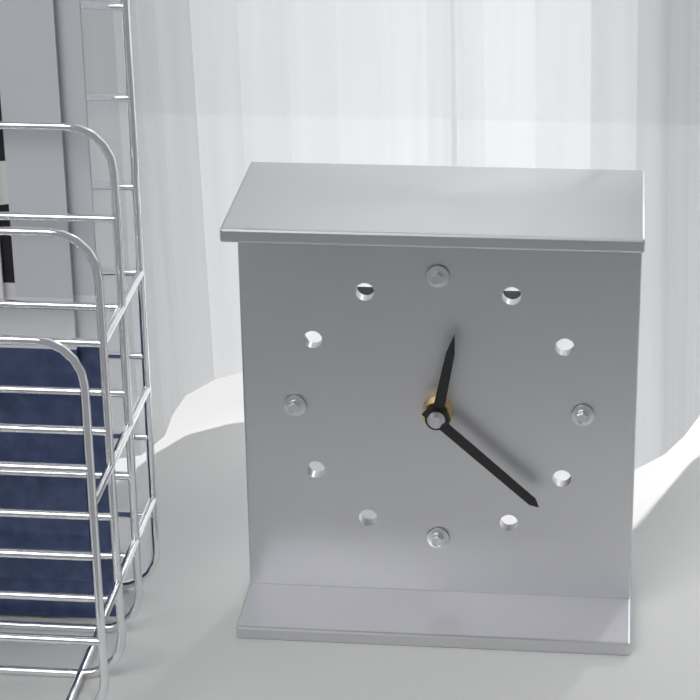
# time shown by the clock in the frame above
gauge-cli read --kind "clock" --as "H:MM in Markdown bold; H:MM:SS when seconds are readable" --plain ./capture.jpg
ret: **12:22**
